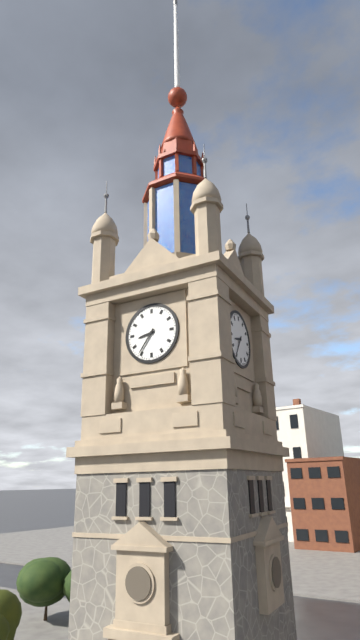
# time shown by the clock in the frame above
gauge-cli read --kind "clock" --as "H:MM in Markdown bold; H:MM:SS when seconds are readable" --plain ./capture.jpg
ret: **8:36**
